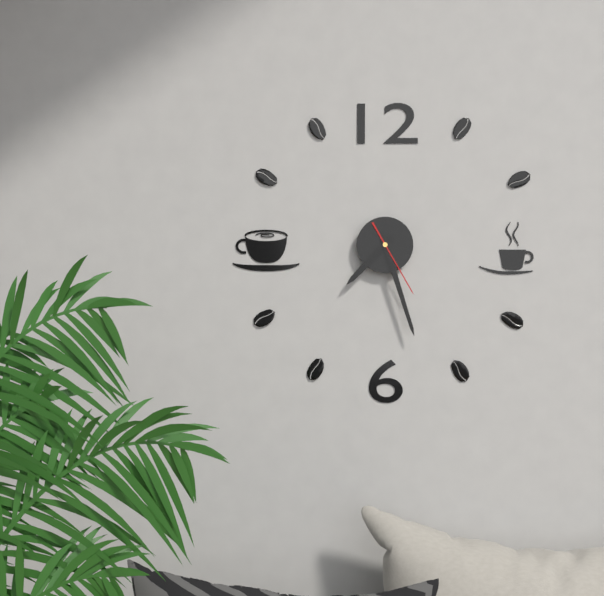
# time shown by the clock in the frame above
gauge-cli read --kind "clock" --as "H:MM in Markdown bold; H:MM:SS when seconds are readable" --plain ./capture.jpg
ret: **7:27:25**
